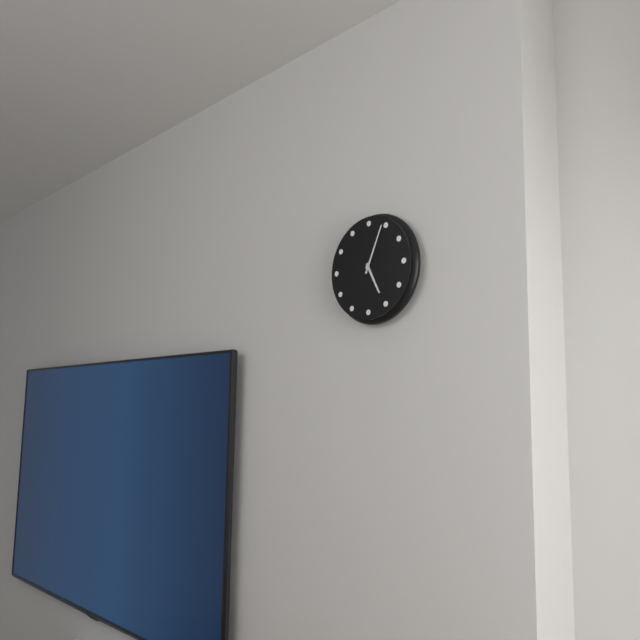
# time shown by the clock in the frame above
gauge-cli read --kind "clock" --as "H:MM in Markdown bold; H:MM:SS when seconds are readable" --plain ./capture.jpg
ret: **5:04**
